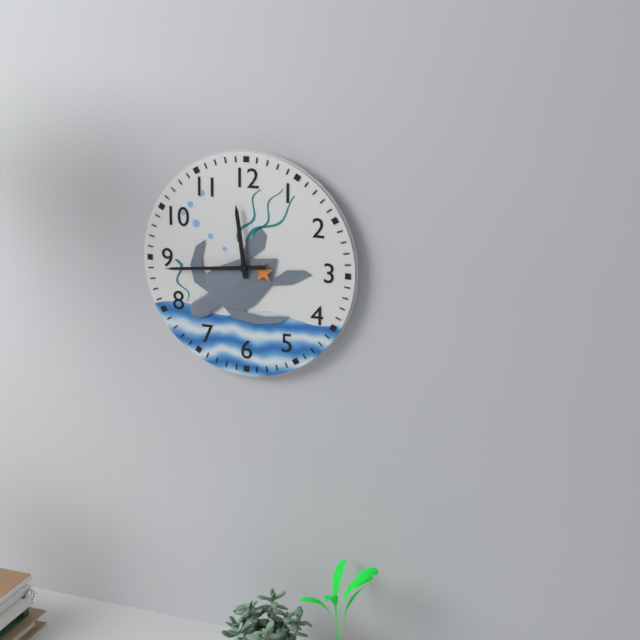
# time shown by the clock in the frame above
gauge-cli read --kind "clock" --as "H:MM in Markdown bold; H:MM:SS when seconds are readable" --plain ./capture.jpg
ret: **11:44**
